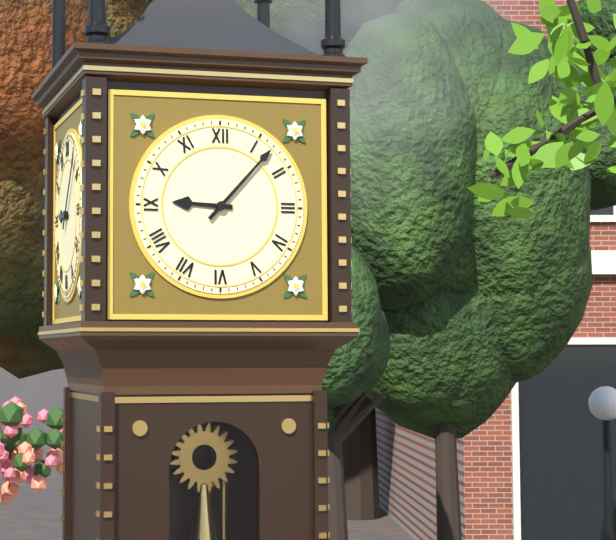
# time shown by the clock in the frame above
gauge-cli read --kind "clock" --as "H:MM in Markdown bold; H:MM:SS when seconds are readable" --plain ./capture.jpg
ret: **9:07**
